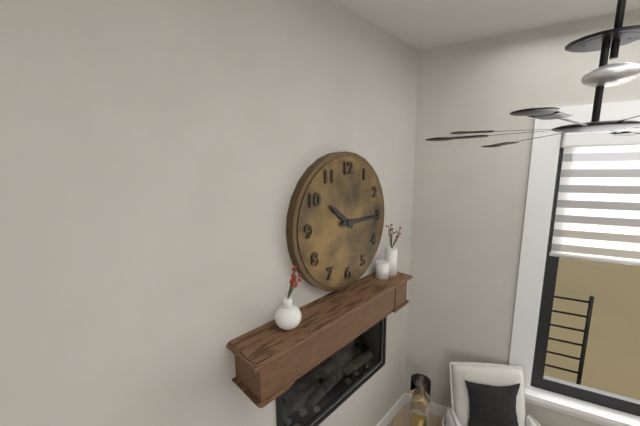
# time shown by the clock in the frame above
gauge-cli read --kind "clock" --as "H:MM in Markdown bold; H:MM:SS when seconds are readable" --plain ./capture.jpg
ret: **10:15**
